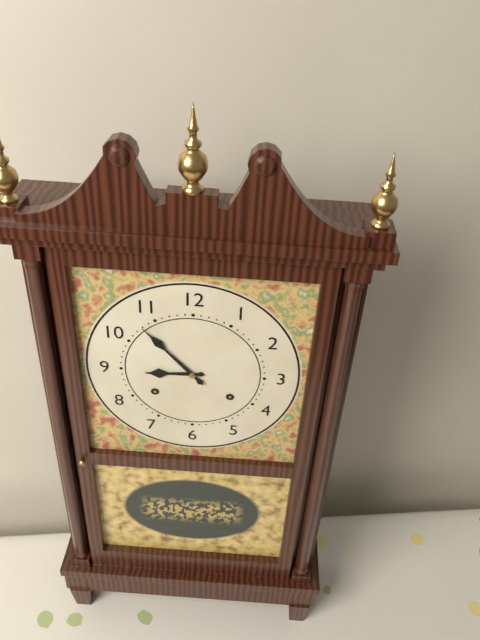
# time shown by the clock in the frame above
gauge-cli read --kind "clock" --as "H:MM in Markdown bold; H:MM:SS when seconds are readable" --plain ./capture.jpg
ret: **8:53**
